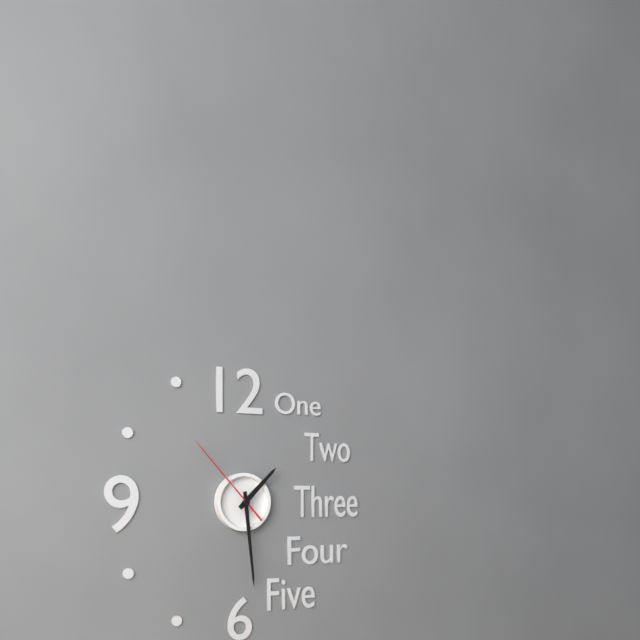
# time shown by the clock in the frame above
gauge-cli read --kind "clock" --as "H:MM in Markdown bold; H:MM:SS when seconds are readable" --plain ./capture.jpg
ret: **1:29:53**
